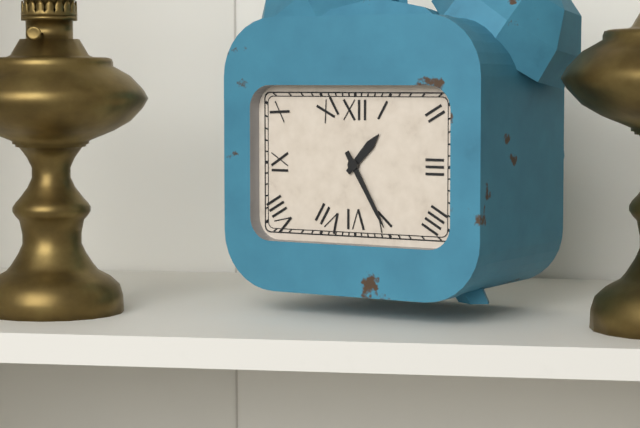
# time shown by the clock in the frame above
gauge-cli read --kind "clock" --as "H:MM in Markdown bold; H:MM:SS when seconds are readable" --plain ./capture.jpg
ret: **1:25**
